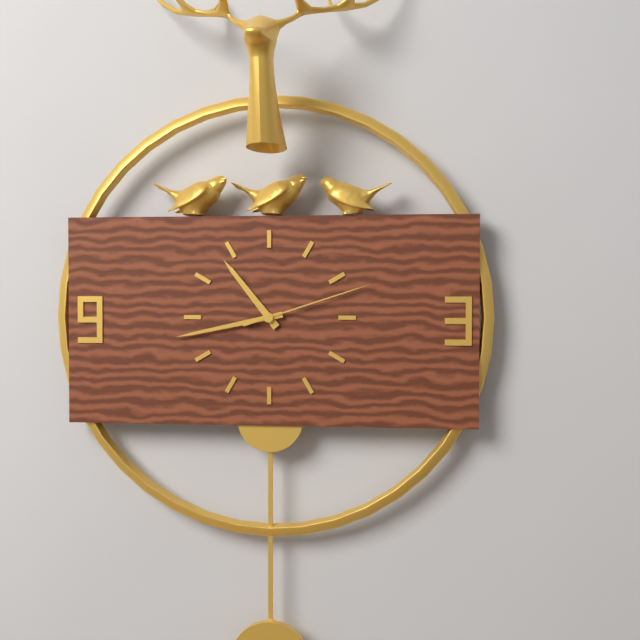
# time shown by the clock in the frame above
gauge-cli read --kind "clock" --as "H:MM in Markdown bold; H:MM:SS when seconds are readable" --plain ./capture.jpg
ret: **10:43:12**
